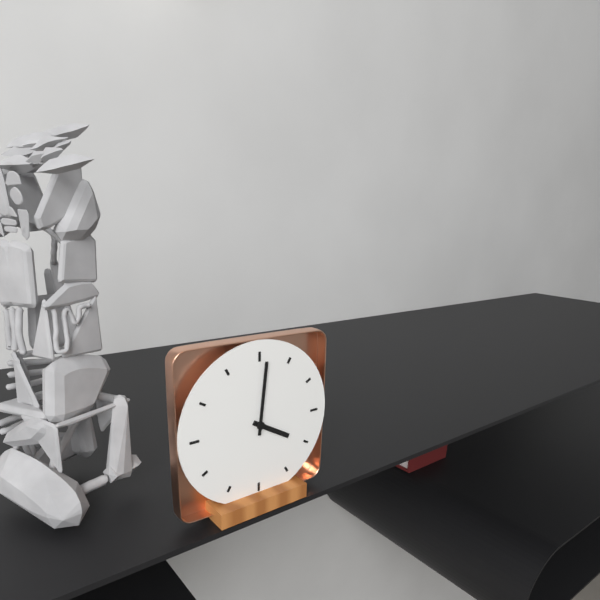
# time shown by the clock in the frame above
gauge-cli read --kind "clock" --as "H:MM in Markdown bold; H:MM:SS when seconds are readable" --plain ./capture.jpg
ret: **4:01**
